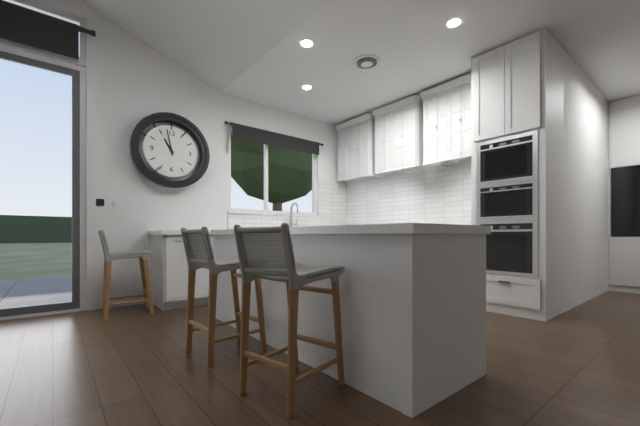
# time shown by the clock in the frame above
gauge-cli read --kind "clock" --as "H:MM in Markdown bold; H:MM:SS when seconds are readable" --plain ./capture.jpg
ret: **10:58**
